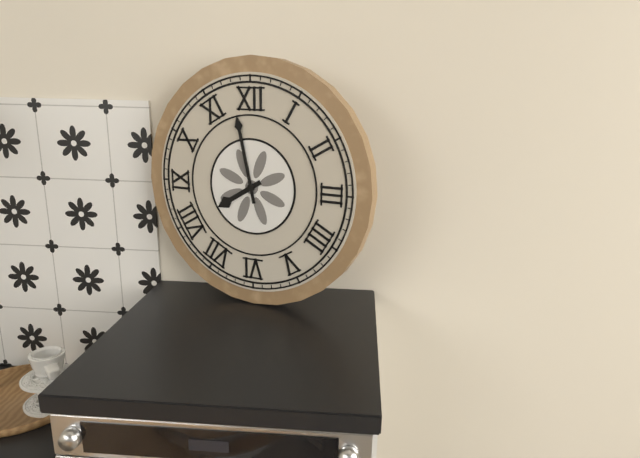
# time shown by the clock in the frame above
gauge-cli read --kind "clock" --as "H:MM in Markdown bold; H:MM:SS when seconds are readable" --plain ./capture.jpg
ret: **7:58**
